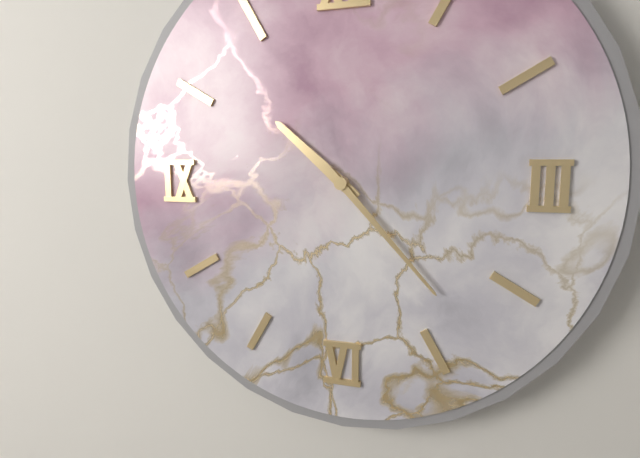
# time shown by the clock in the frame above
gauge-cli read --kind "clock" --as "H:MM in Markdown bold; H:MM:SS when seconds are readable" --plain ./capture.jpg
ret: **10:23**
